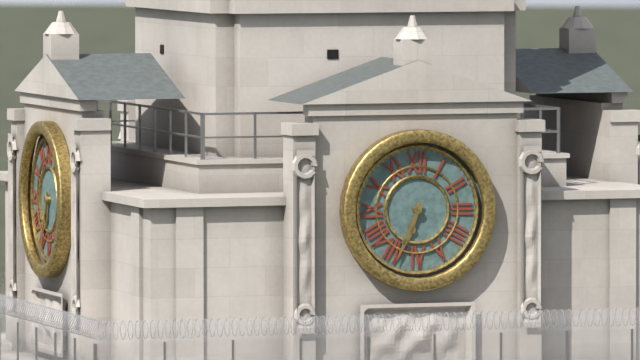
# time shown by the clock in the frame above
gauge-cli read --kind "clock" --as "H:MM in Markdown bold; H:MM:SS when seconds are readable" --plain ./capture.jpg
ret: **6:34**
